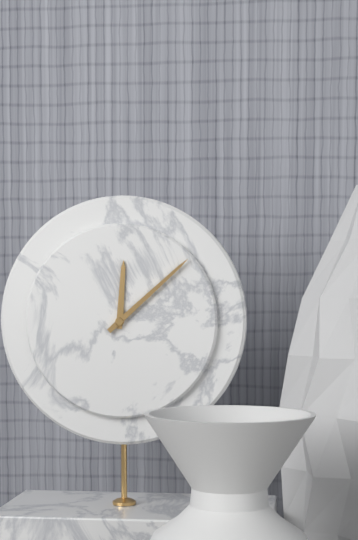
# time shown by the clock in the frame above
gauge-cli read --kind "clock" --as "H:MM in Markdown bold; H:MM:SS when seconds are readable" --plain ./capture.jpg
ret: **12:08**
